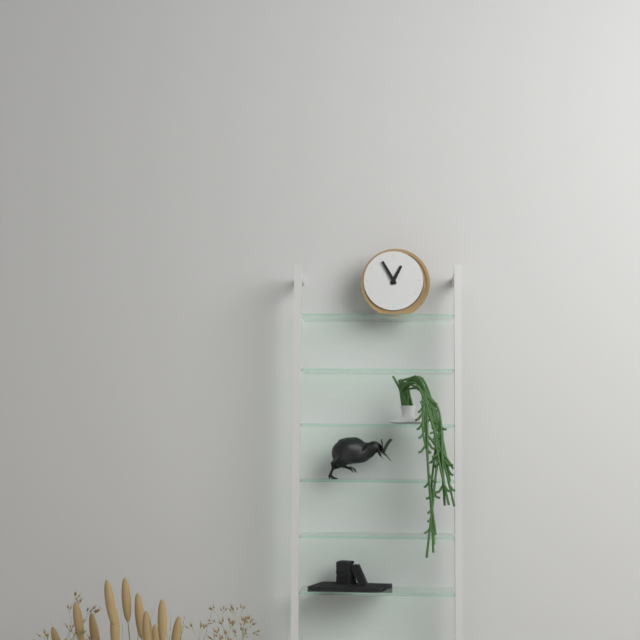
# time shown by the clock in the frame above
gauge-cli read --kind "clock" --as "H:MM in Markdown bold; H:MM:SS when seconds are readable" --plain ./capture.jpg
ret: **12:55**
